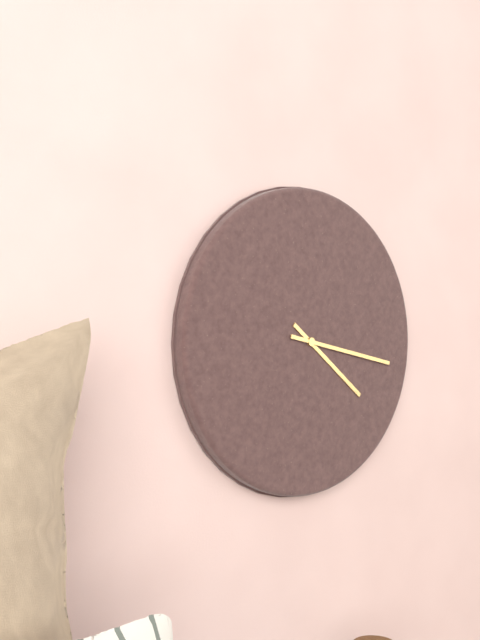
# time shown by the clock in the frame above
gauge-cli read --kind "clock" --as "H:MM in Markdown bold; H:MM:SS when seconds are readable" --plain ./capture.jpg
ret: **4:17**
